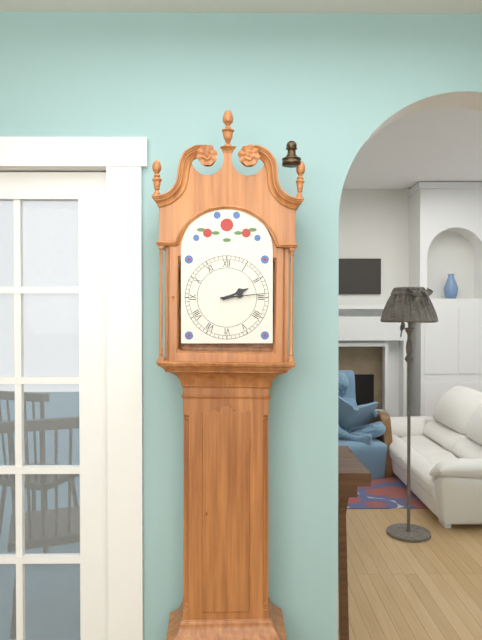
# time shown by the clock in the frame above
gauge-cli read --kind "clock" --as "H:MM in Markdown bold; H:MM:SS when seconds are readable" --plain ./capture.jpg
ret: **2:14**
